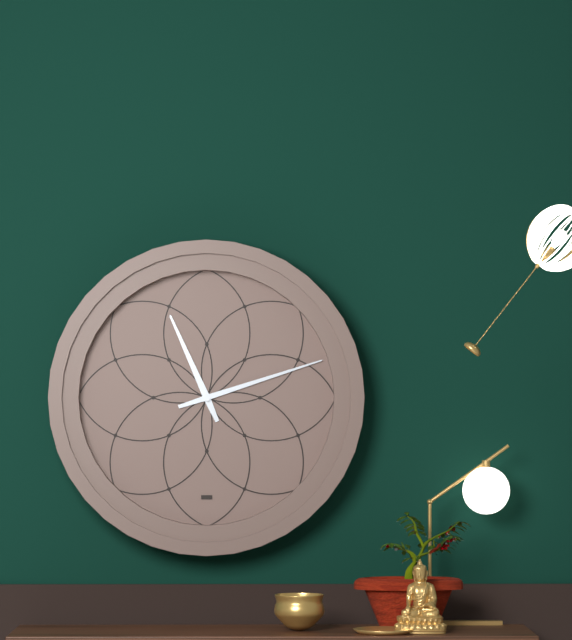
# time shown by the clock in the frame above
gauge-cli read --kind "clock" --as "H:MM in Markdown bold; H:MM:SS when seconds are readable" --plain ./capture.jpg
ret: **11:12**
